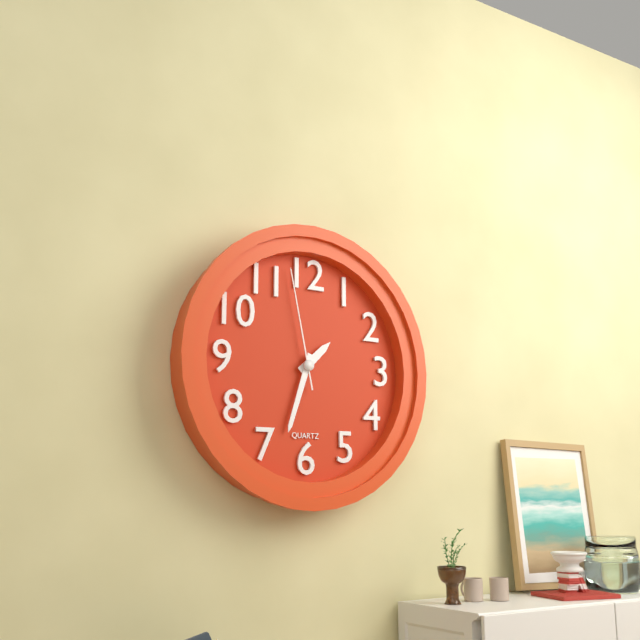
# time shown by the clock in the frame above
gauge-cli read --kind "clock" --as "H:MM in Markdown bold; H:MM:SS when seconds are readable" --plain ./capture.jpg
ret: **1:33:58**
